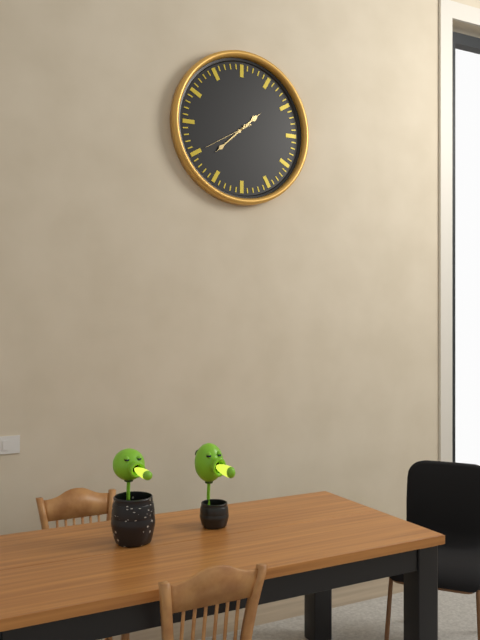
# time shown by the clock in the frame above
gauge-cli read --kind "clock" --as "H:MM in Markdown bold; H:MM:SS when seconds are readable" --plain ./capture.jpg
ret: **1:38**
